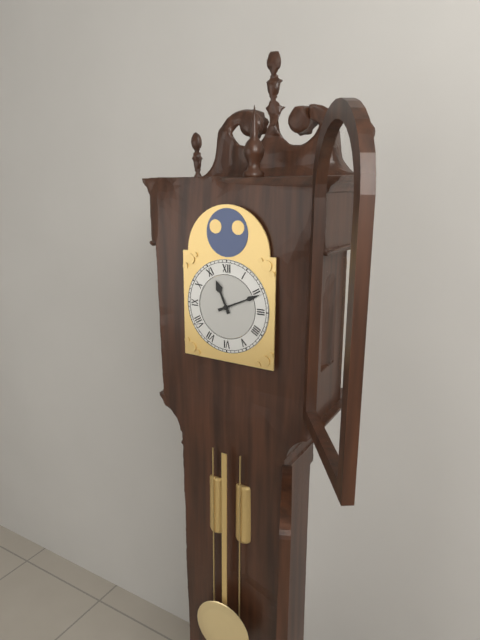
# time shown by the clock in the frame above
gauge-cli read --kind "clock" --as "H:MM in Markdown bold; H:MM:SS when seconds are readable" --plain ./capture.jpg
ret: **11:11**
